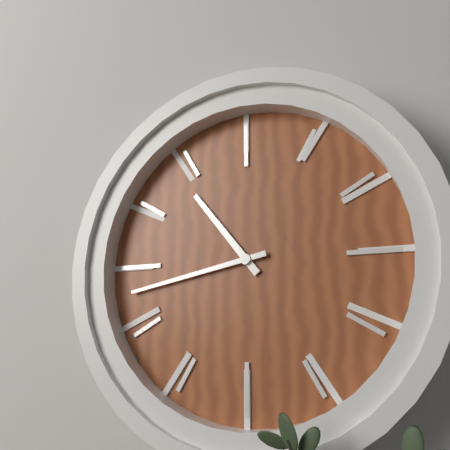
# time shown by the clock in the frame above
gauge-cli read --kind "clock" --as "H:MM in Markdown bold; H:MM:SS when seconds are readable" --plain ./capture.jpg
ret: **10:43**
